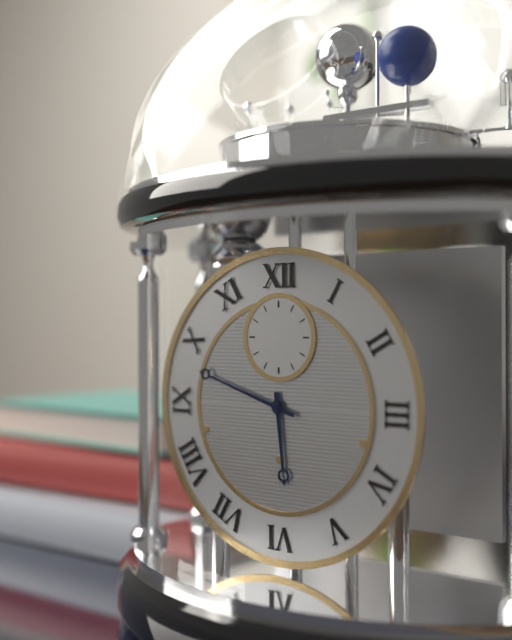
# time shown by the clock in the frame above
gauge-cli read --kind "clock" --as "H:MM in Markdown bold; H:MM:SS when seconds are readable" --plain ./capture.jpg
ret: **5:48**
